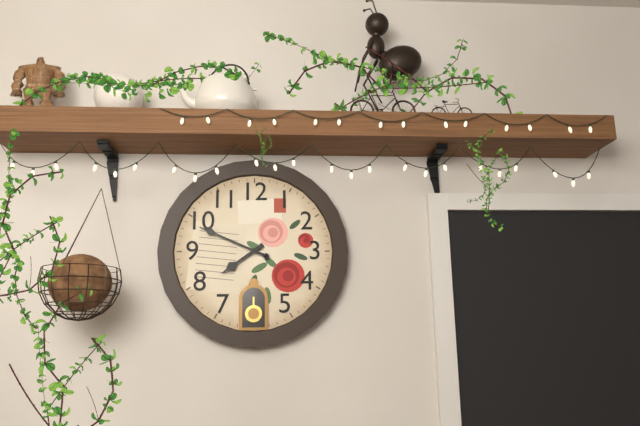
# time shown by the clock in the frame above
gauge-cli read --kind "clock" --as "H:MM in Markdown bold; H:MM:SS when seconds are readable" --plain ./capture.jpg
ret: **7:49**
